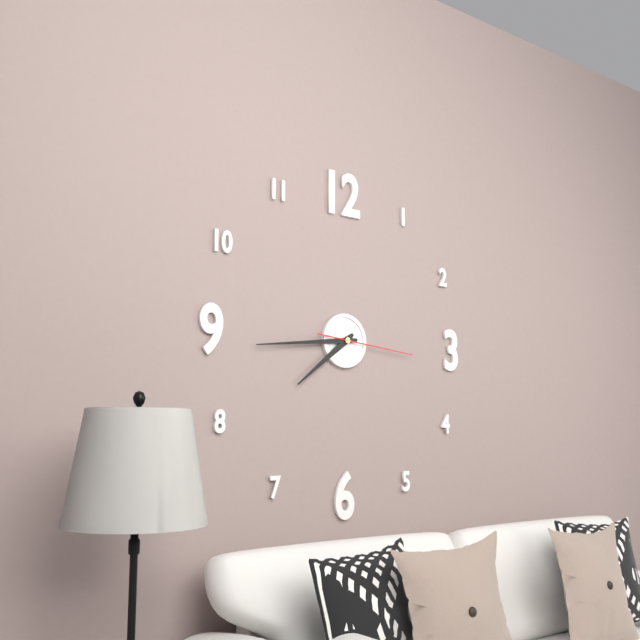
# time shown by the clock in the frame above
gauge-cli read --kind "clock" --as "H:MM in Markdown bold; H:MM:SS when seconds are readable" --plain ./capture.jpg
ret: **7:44:16**
